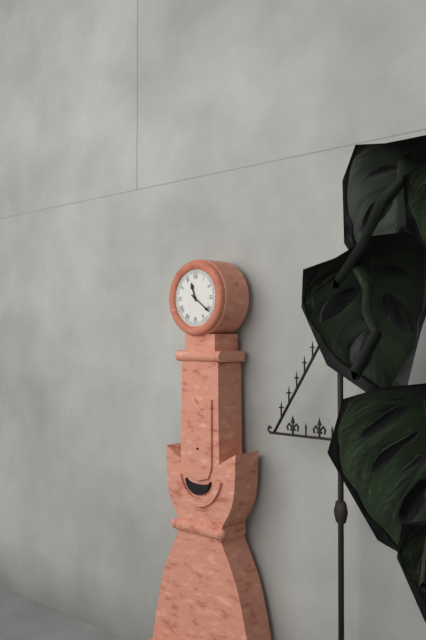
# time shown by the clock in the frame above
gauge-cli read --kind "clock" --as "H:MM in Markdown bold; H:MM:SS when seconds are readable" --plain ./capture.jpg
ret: **11:21**
